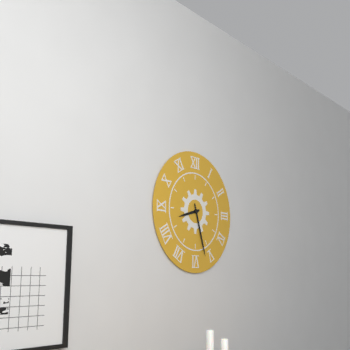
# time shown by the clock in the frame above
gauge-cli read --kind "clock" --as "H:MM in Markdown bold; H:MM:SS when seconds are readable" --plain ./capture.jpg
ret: **8:27**
